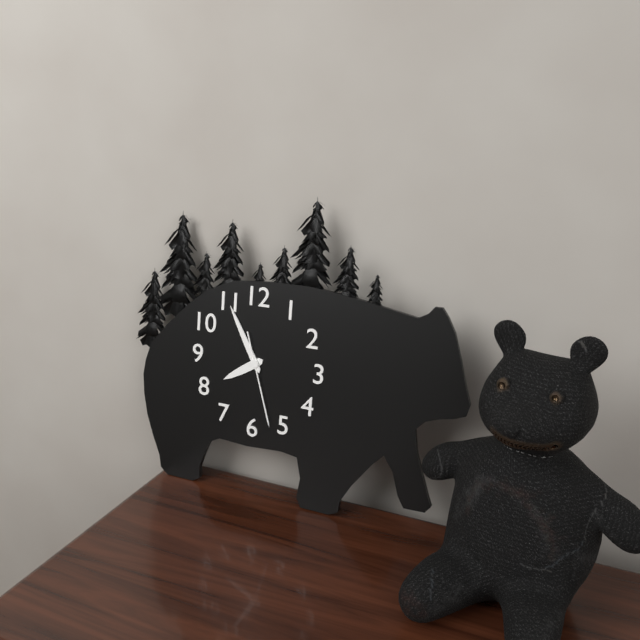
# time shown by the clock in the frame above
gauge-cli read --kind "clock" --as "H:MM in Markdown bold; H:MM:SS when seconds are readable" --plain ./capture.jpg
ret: **7:55:27**
